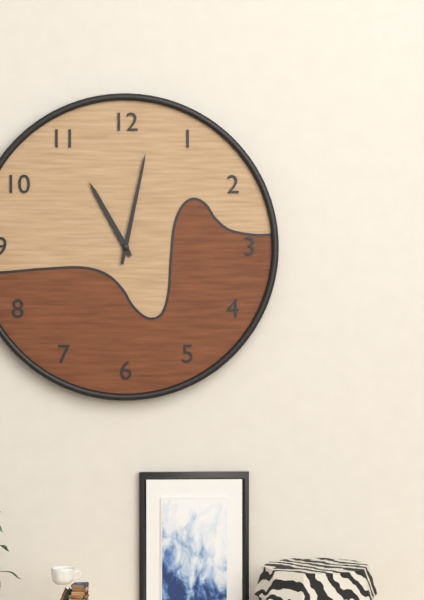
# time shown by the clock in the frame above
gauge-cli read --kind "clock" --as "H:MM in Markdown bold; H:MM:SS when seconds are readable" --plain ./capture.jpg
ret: **11:02**
